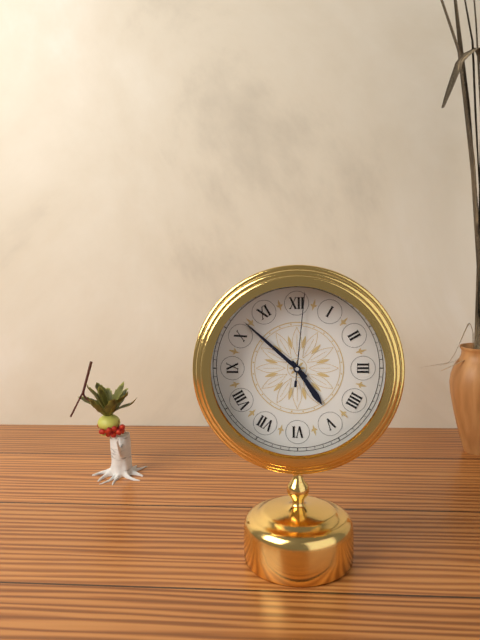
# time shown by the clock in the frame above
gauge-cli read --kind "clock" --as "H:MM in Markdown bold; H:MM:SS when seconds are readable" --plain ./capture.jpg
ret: **4:52:01**
